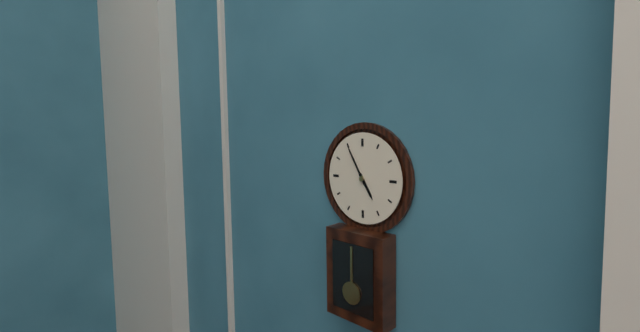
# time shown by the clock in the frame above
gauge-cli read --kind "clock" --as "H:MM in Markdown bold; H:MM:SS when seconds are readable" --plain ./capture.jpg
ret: **4:55**
